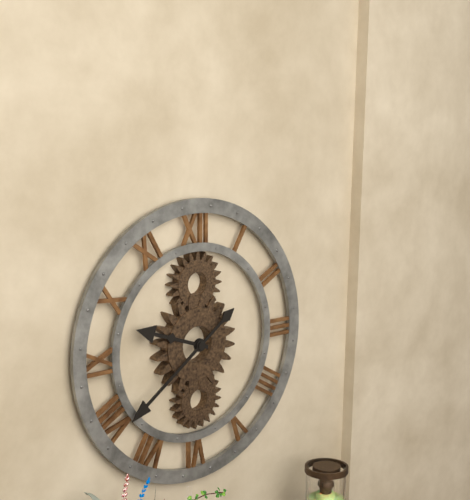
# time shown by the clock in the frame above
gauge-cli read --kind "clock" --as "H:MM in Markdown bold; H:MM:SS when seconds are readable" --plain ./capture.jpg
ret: **9:39**
